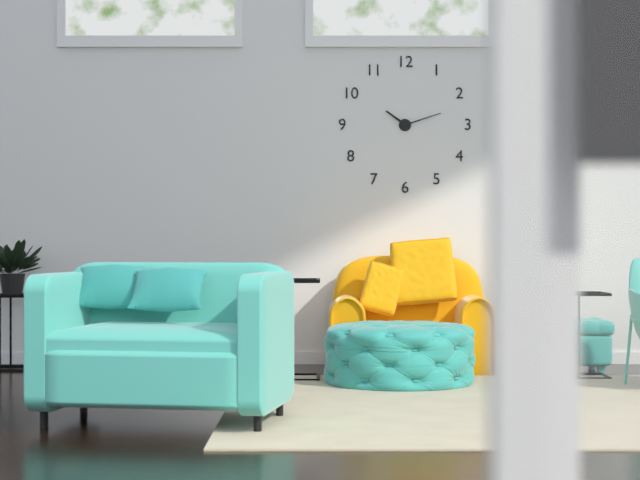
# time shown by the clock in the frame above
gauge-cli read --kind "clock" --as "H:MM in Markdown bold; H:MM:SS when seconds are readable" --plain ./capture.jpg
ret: **10:12**
